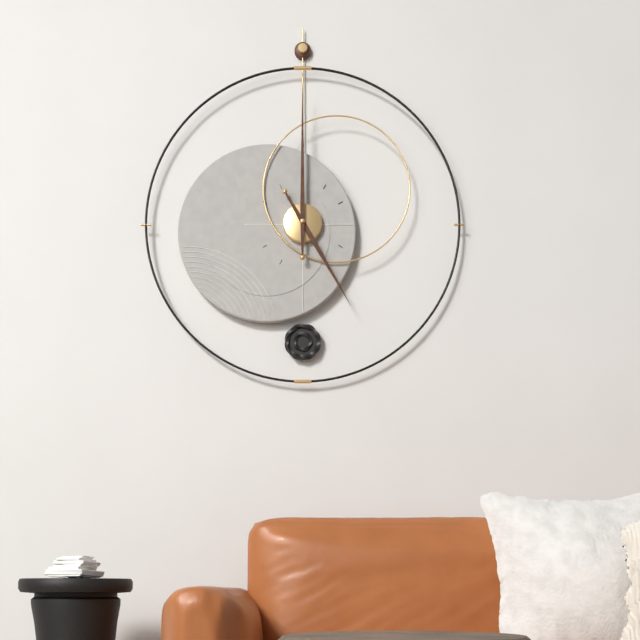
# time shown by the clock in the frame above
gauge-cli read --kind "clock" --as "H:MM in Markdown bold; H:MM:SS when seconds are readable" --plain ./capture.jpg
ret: **5:00**
